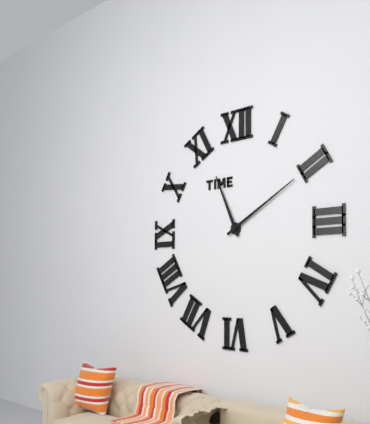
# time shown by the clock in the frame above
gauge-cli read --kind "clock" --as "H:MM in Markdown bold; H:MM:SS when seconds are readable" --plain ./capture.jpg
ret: **11:10**
